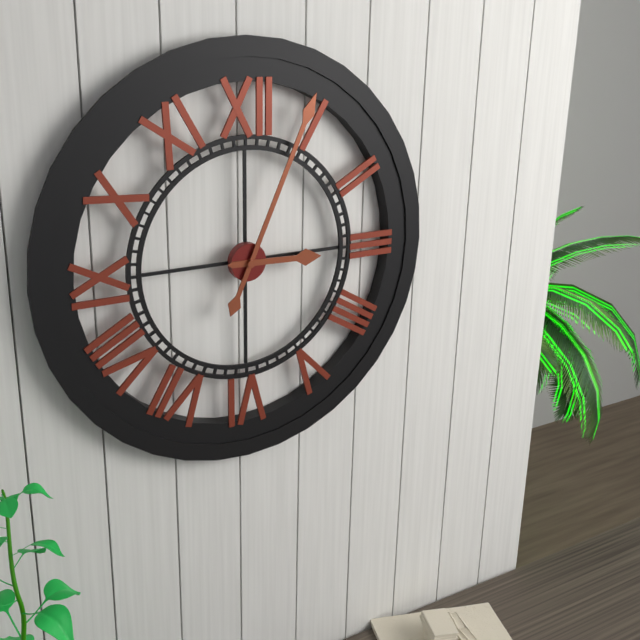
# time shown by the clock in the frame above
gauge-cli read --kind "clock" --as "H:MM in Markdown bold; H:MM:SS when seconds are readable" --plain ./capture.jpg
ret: **3:04**
